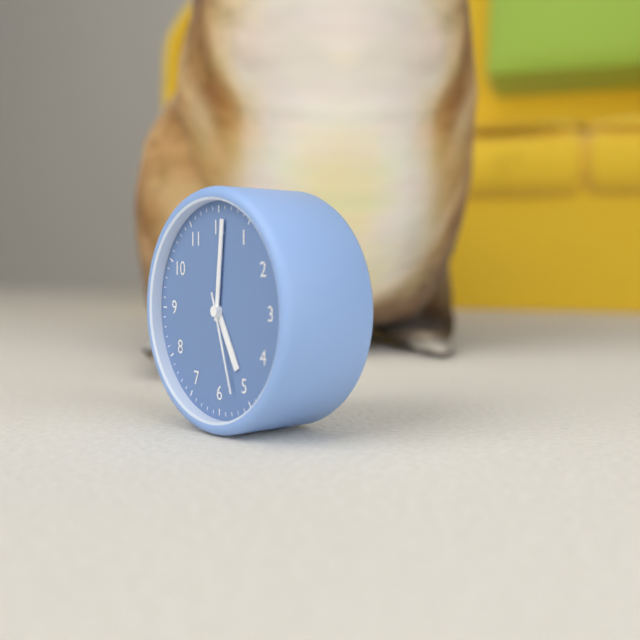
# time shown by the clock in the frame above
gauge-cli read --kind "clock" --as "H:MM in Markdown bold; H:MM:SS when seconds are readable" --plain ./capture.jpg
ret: **5:01:27**
